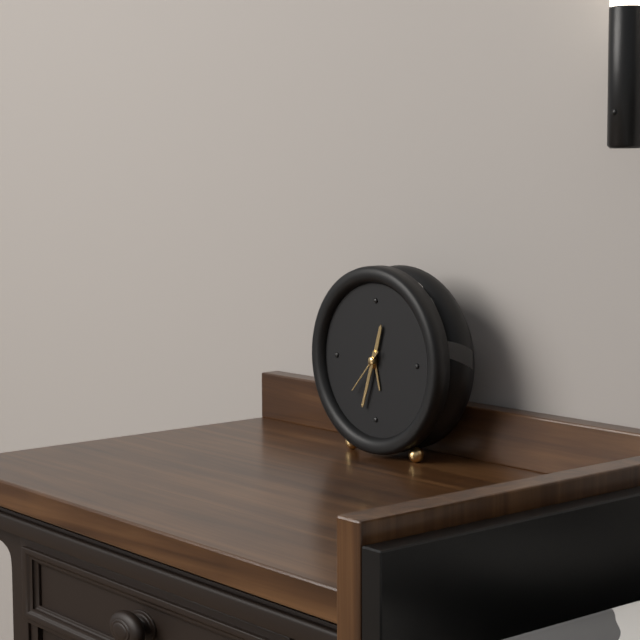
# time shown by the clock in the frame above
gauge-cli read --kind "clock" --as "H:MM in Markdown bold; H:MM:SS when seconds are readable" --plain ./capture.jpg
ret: **12:33**
